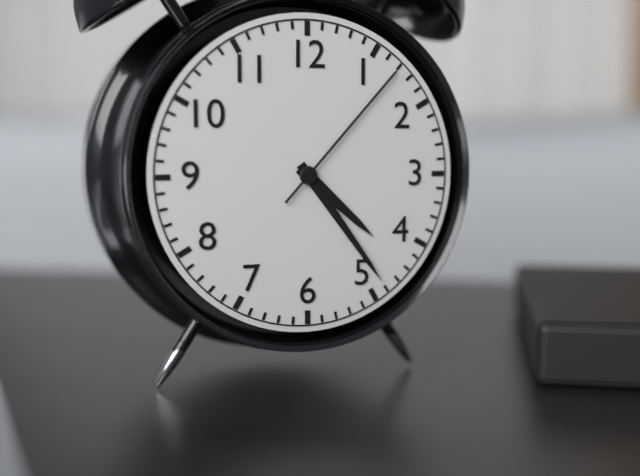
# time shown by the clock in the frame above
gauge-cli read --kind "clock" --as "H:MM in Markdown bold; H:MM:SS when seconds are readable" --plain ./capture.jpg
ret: **4:24:07**
